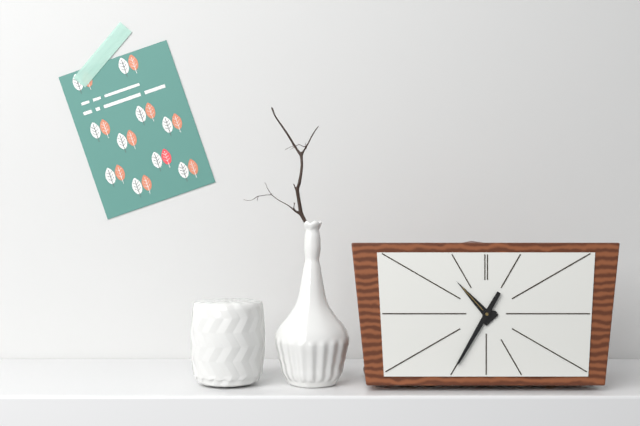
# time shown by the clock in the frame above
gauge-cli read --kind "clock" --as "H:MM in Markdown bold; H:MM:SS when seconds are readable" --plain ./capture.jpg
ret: **10:35**
